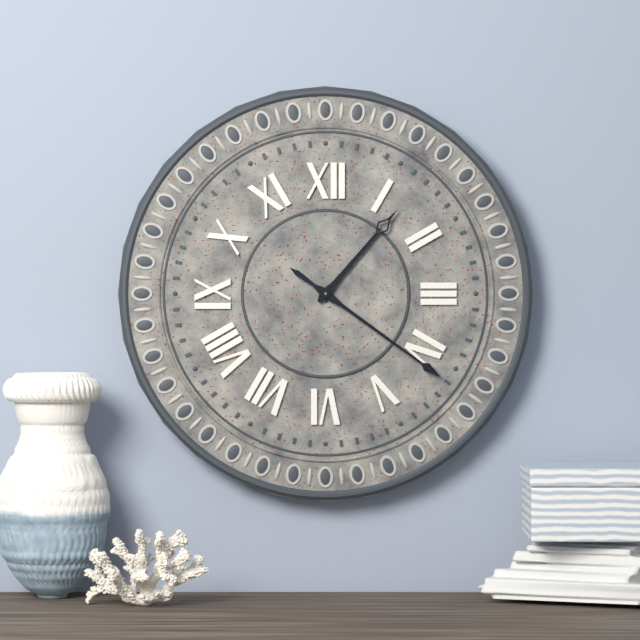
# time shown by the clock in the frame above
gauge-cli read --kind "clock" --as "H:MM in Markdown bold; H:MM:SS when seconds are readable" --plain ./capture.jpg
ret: **1:21**
